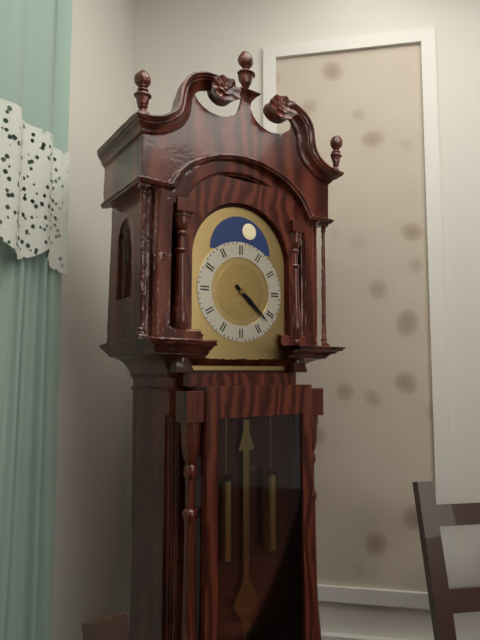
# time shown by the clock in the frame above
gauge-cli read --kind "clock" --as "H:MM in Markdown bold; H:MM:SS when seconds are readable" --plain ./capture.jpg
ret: **4:22**
